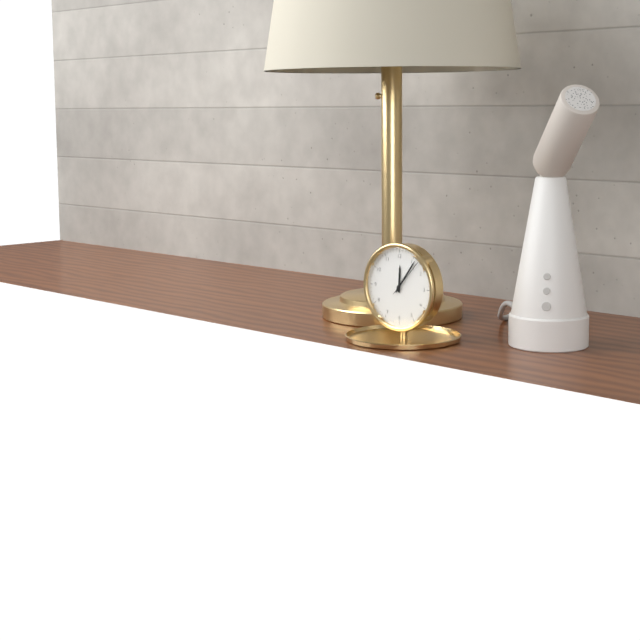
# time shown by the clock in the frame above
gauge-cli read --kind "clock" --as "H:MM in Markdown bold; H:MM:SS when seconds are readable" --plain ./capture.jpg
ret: **12:06**
